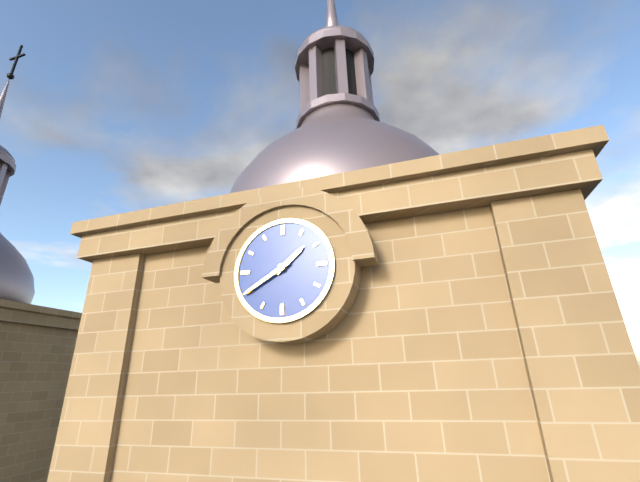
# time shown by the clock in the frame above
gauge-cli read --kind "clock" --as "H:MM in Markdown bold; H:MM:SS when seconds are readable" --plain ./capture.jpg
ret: **1:40**
